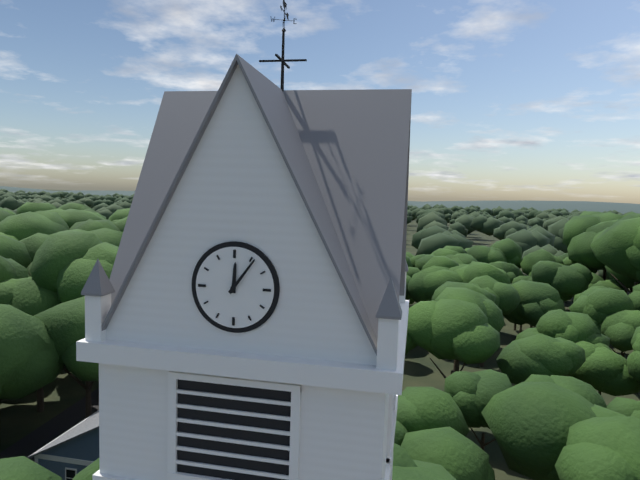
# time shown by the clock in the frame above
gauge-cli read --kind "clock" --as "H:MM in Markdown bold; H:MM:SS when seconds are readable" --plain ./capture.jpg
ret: **12:06**
